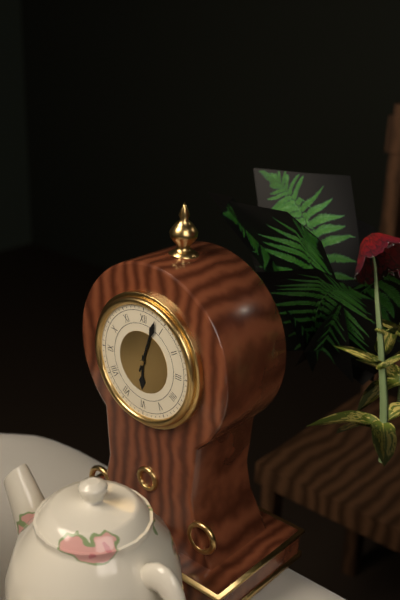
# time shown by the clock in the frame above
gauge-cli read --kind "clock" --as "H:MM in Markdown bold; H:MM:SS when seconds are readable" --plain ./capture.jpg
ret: **6:03**
